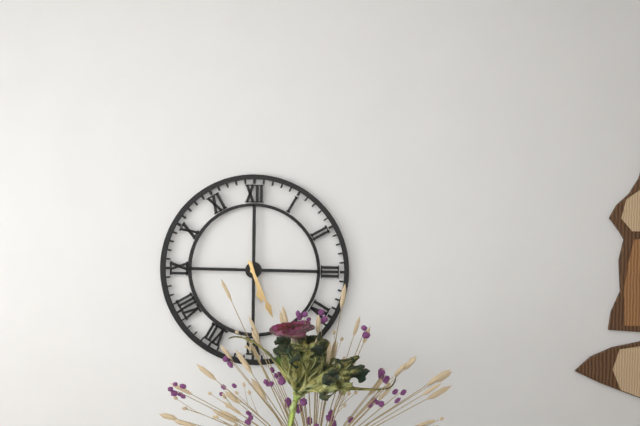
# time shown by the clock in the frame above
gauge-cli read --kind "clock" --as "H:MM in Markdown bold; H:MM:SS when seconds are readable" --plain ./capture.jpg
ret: **5:26**
